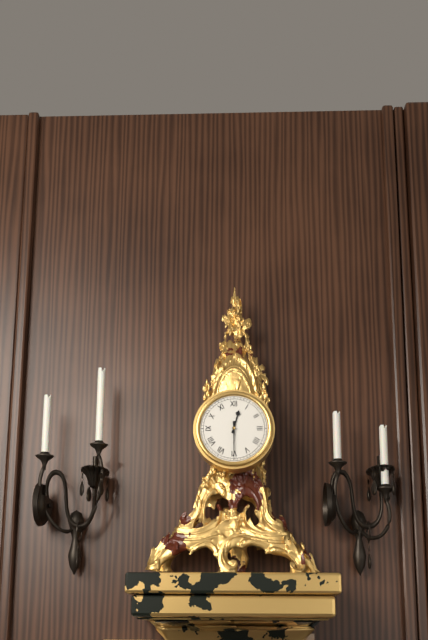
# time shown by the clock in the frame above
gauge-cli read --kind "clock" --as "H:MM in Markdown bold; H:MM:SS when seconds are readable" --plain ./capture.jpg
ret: **12:30**
